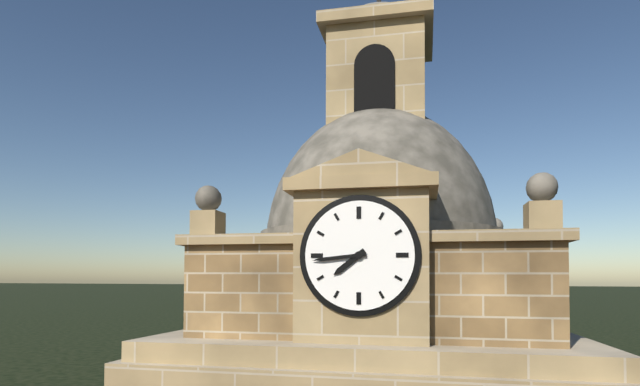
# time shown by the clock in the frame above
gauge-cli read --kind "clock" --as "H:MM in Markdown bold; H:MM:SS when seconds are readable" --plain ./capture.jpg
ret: **7:44**
